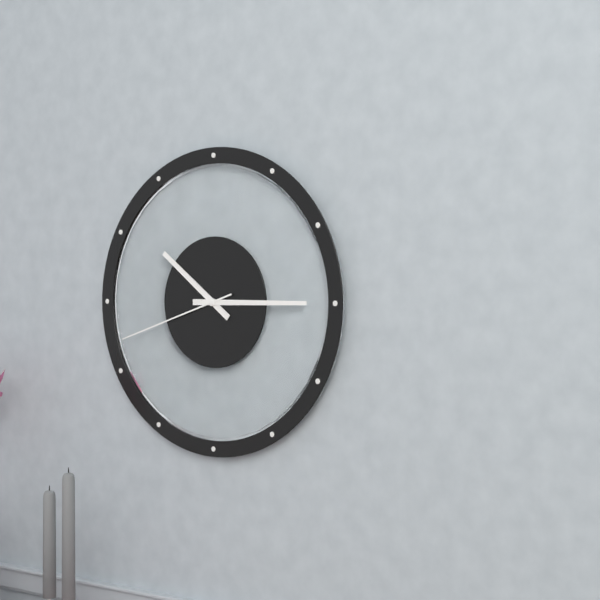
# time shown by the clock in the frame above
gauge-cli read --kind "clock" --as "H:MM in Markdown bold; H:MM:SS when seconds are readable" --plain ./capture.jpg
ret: **10:15:42**
